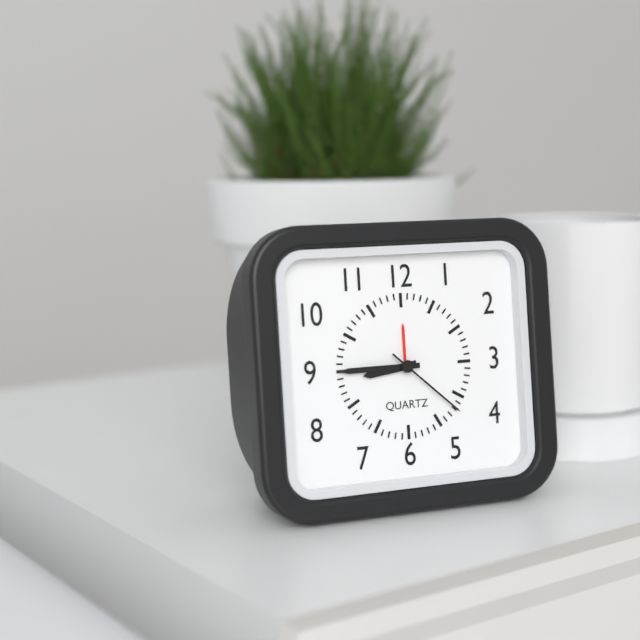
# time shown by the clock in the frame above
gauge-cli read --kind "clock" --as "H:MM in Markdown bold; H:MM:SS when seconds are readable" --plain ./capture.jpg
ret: **8:45:22**
